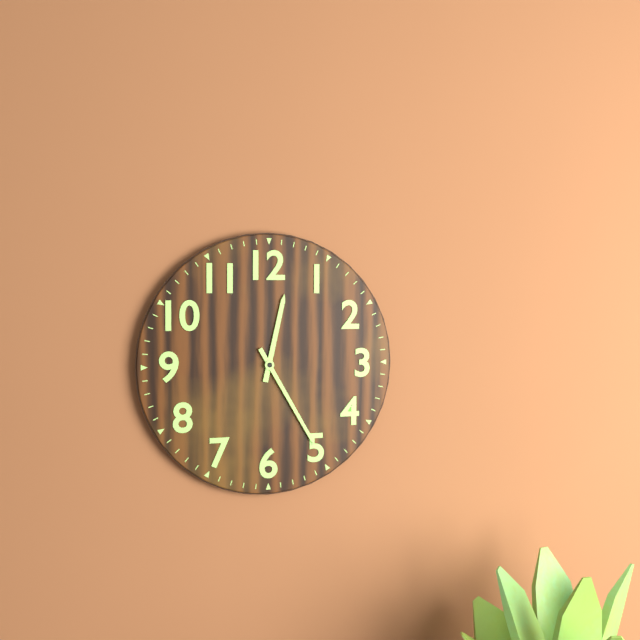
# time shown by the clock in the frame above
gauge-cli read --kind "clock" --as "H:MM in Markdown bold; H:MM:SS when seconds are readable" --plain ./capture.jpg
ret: **12:25**
